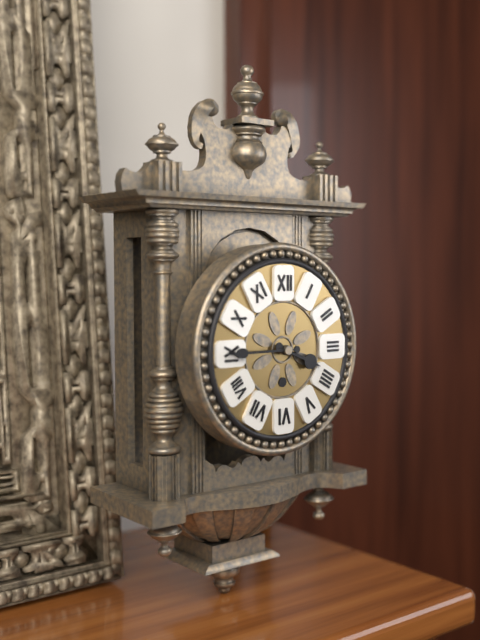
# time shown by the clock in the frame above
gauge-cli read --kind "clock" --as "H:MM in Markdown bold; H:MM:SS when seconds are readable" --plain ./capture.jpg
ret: **3:45**
